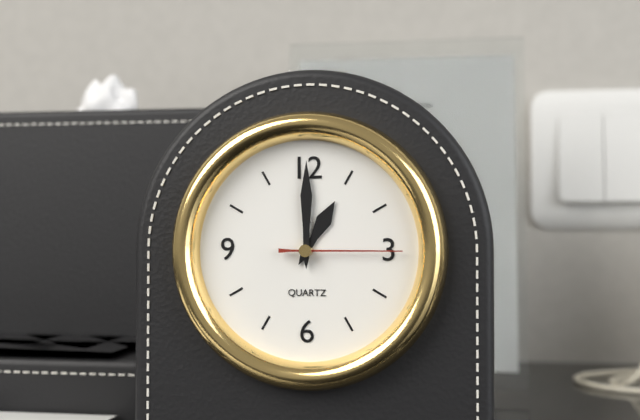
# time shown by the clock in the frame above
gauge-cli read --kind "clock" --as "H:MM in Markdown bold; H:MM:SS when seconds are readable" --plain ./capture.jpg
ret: **1:00:15**
